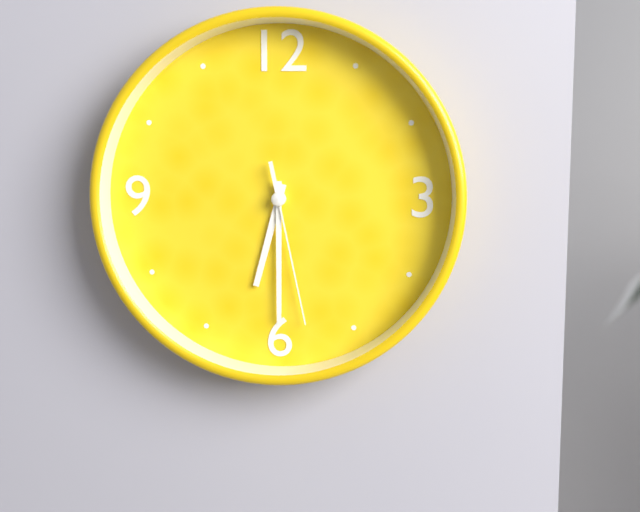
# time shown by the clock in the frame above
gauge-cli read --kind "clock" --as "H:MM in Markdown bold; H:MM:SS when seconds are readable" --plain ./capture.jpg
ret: **6:30:28**
